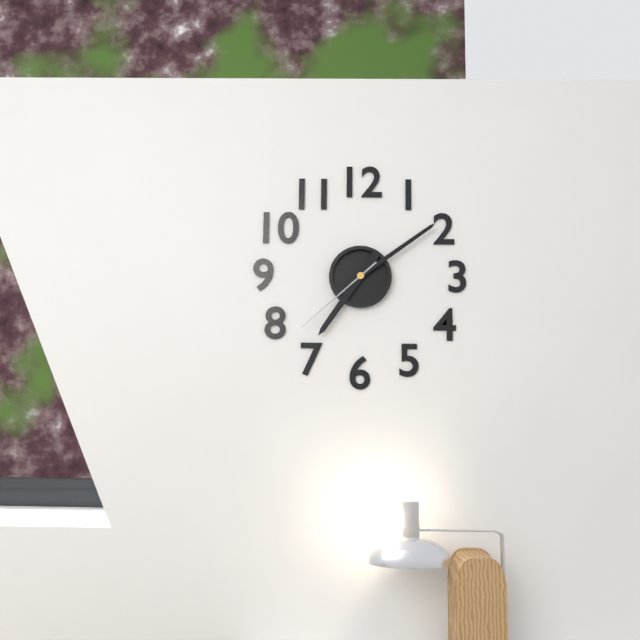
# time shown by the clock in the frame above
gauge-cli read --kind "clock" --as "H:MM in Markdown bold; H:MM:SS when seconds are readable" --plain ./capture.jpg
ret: **7:09:38**
